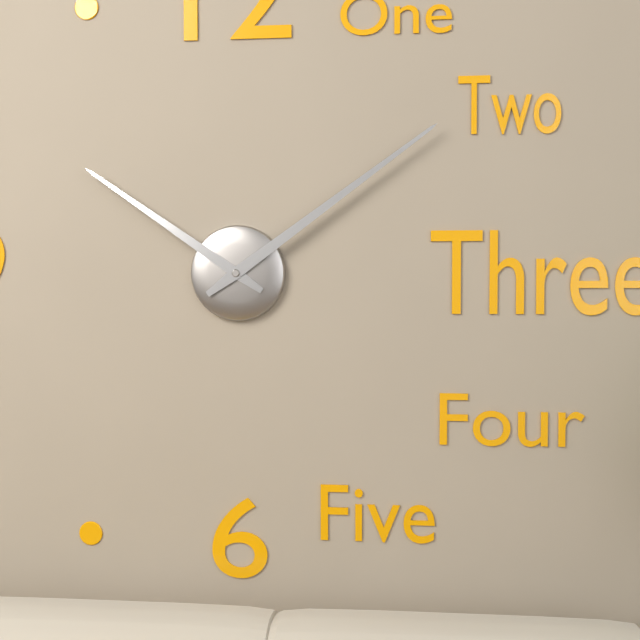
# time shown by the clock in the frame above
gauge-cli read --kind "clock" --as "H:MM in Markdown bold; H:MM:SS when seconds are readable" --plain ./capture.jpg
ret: **10:09**
